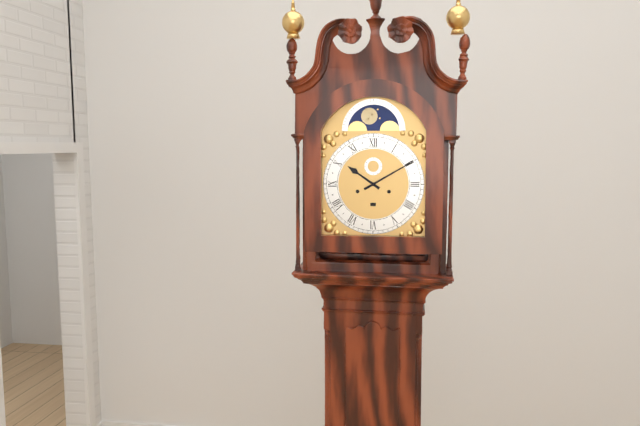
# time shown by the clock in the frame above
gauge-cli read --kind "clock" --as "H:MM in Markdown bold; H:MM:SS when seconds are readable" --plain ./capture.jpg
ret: **10:10**
